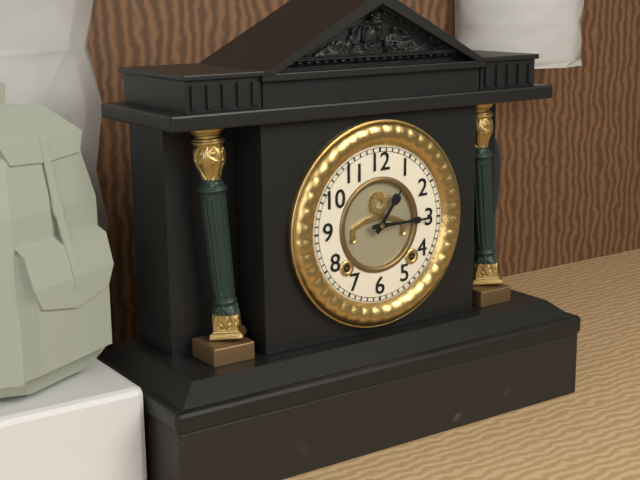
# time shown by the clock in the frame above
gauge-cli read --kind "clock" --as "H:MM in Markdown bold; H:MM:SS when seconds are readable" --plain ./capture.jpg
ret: **1:15**
